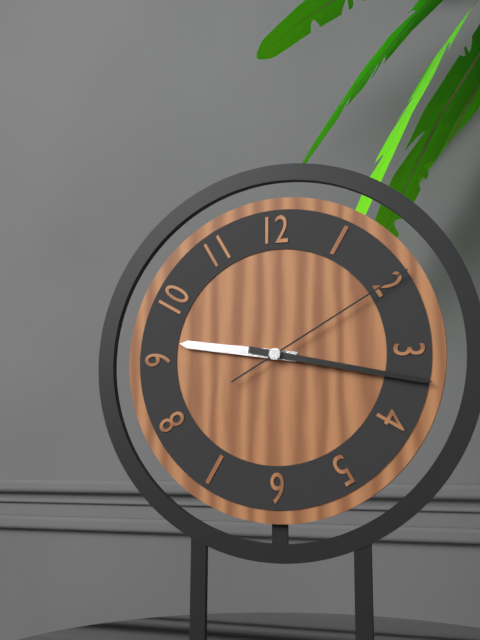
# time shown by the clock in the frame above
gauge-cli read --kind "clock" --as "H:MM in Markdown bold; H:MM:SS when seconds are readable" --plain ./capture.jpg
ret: **9:17:10**
